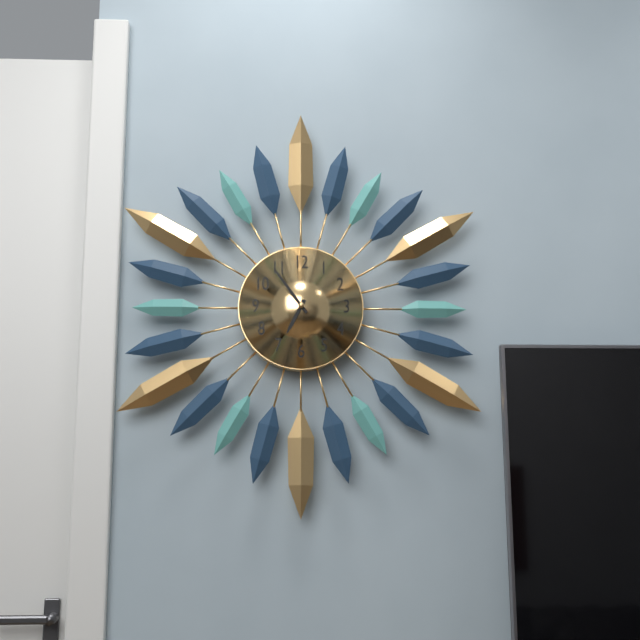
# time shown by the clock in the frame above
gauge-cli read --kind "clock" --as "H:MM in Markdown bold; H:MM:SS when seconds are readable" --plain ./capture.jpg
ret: **6:54**
